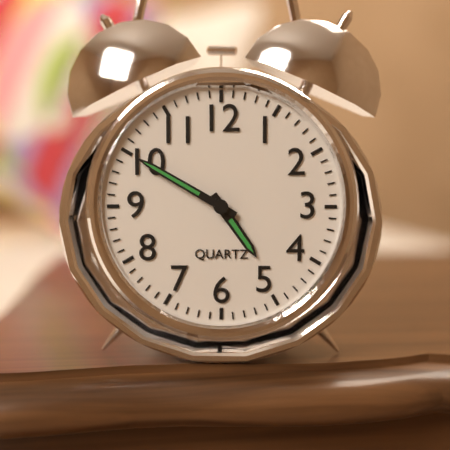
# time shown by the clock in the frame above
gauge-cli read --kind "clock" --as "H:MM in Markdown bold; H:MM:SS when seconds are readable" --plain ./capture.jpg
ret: **4:50**
